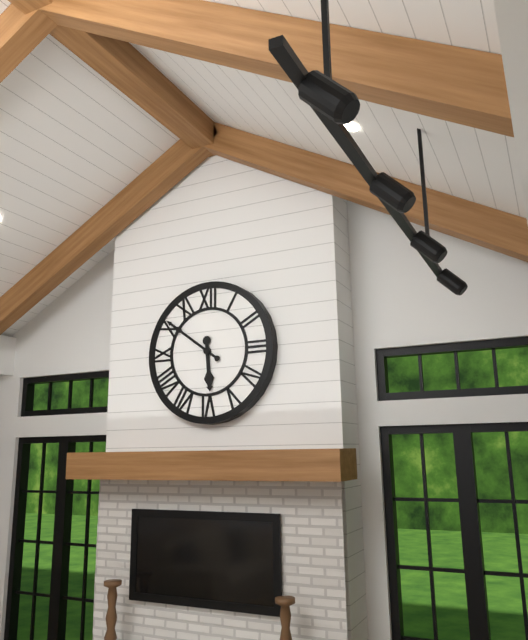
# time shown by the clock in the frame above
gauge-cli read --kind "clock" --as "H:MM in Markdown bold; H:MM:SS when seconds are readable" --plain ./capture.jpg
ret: **5:51**
